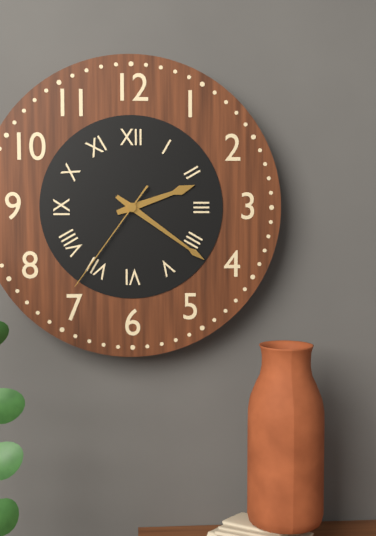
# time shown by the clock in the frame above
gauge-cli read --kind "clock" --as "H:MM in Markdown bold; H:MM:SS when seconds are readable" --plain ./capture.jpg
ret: **2:21:36**
